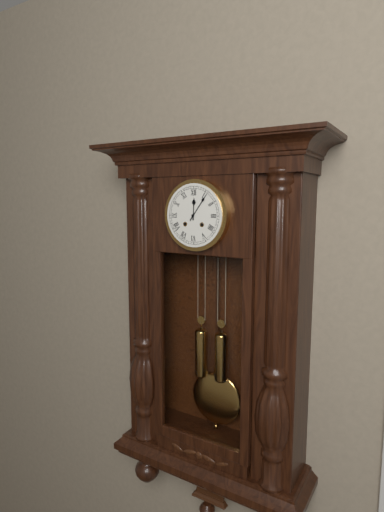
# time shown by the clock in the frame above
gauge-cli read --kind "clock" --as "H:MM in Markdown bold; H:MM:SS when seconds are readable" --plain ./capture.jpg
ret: **12:06**
